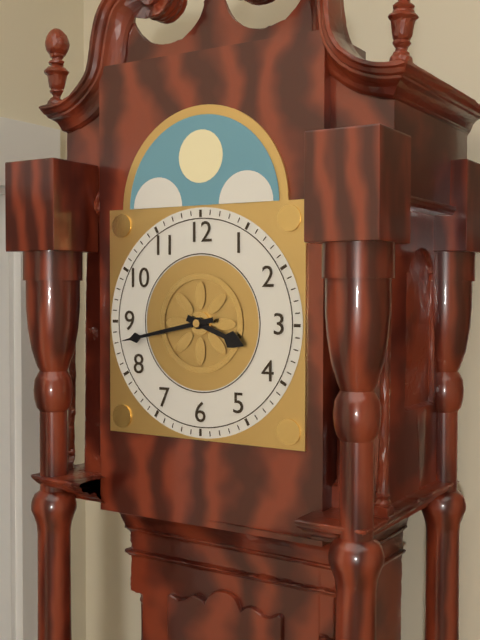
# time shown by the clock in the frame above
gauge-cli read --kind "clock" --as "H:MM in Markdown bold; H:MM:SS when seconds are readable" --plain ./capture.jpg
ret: **3:43**
